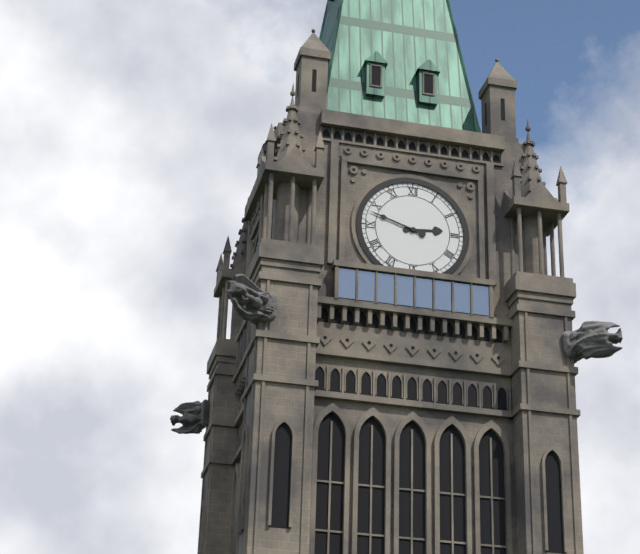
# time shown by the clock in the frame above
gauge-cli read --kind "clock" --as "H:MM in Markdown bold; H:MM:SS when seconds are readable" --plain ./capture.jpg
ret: **2:48**
